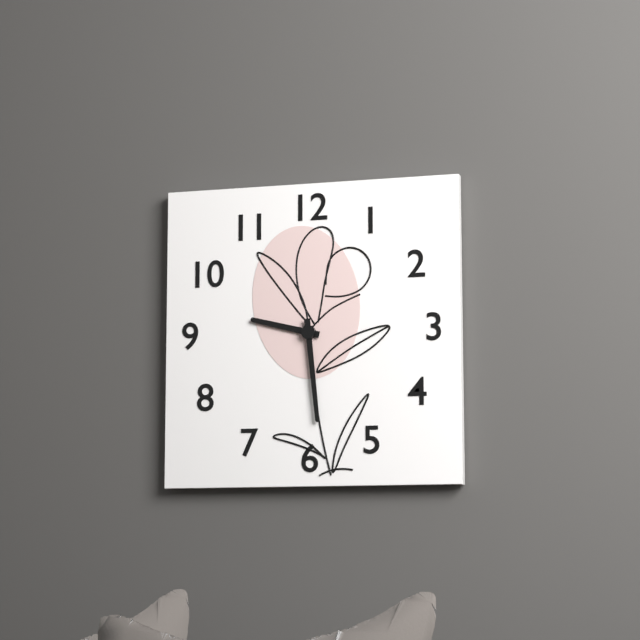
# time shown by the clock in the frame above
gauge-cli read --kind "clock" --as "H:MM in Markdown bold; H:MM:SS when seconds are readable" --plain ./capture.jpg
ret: **9:29**
